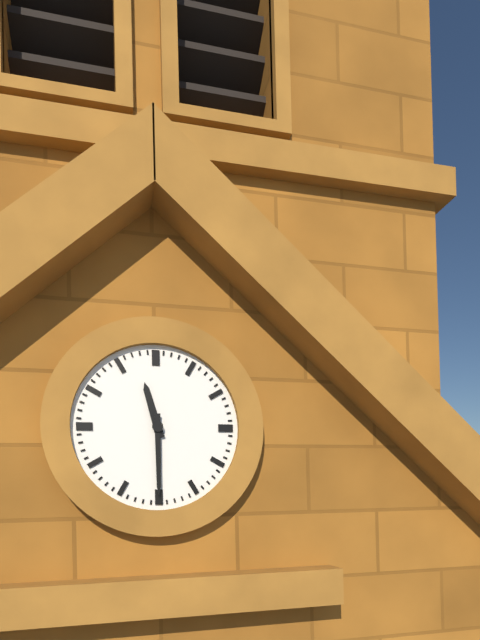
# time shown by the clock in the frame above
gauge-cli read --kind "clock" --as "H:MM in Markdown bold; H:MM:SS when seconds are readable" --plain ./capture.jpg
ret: **11:30**
